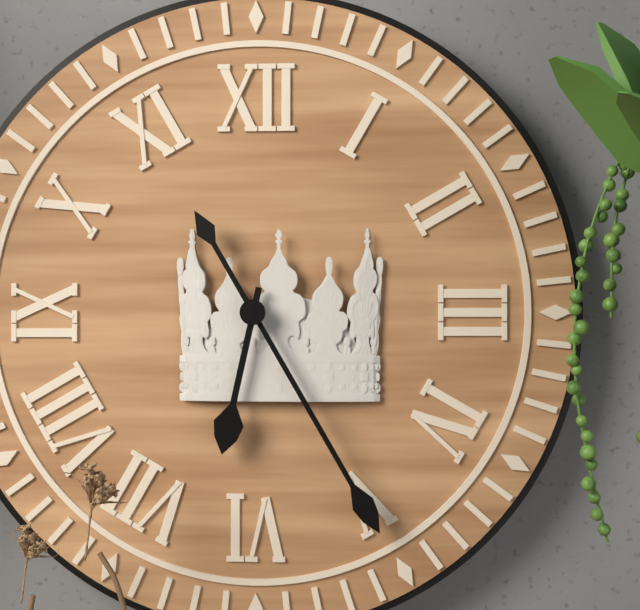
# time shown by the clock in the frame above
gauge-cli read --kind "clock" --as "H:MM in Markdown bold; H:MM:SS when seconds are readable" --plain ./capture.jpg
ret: **6:25**
